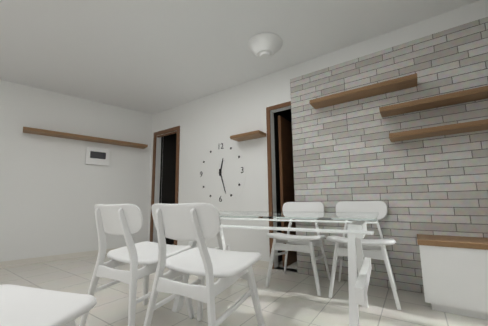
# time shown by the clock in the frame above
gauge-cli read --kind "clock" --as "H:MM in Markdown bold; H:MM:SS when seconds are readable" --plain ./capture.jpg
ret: **12:27**
